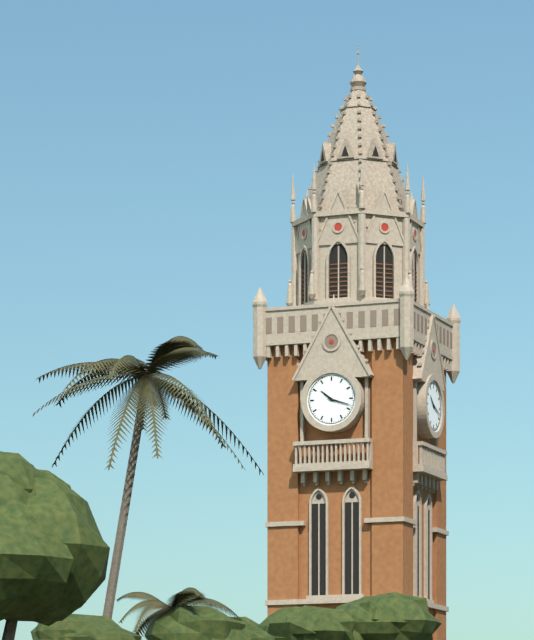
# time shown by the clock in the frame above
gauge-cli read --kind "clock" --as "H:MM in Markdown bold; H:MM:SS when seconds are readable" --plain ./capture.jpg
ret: **10:18**
